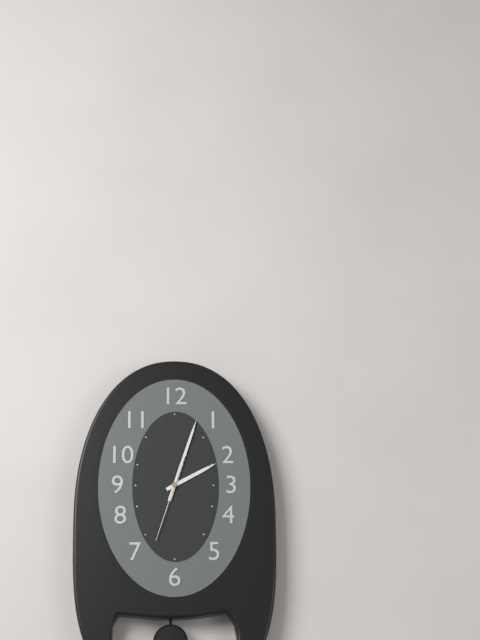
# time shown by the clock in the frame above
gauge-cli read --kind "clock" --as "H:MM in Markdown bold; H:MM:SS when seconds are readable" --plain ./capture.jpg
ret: **2:03:33**
